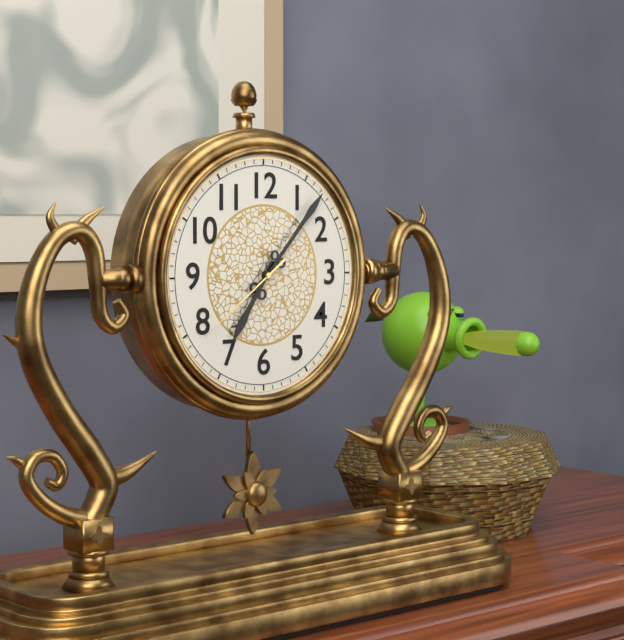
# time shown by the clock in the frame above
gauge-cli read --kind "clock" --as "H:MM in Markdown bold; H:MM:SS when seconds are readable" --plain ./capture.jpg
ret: **7:07:39**
